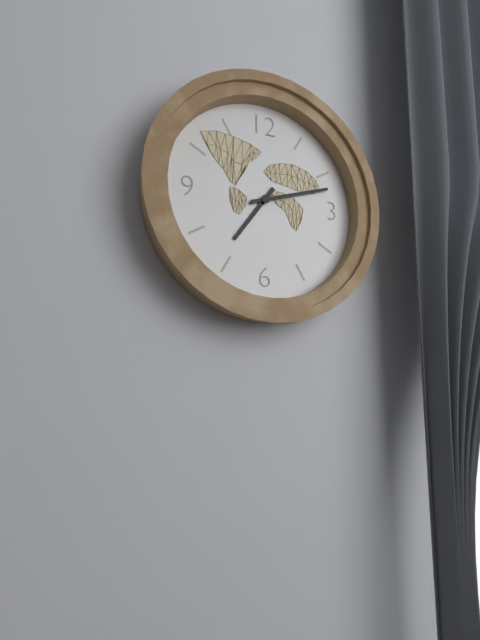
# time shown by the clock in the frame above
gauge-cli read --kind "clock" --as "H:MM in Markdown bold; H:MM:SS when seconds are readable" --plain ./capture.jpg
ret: **7:12**
